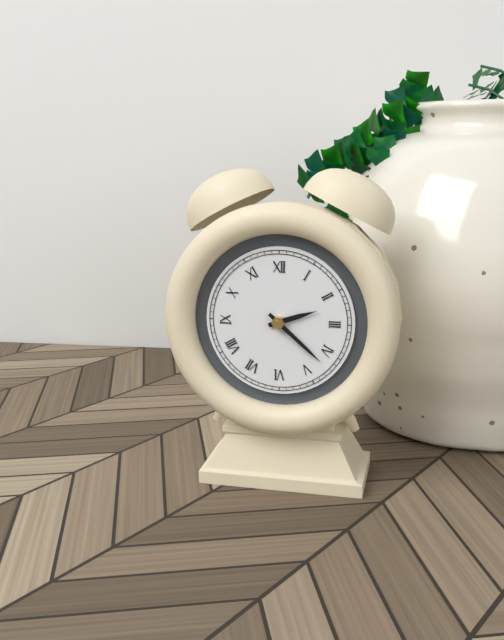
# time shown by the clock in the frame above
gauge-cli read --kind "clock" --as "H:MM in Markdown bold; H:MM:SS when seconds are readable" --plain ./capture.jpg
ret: **2:22**
